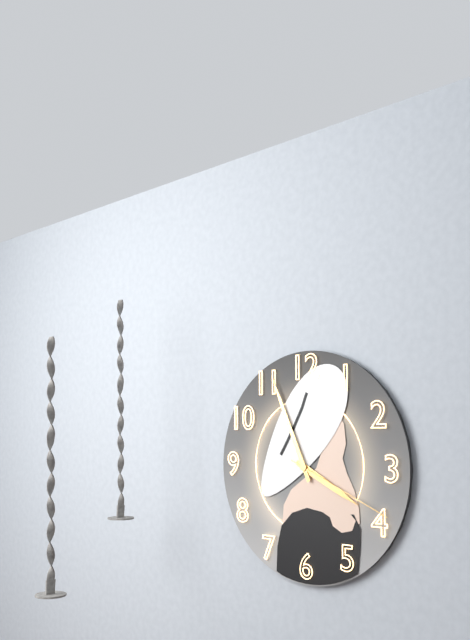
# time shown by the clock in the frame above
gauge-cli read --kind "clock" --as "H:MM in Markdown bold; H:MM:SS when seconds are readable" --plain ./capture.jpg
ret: **3:56:19**
